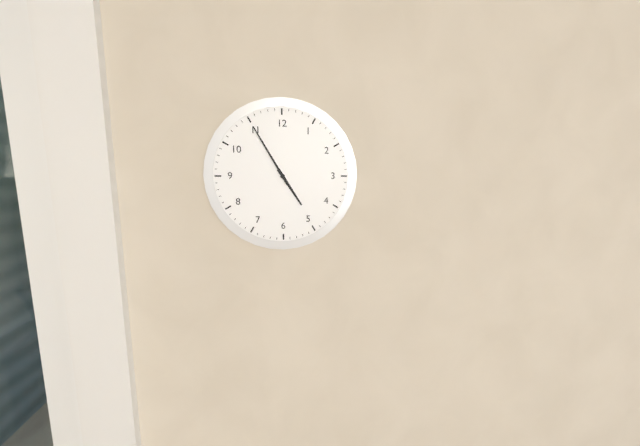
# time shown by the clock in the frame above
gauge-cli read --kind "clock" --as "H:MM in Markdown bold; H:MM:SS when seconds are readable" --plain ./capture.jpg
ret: **4:55**
